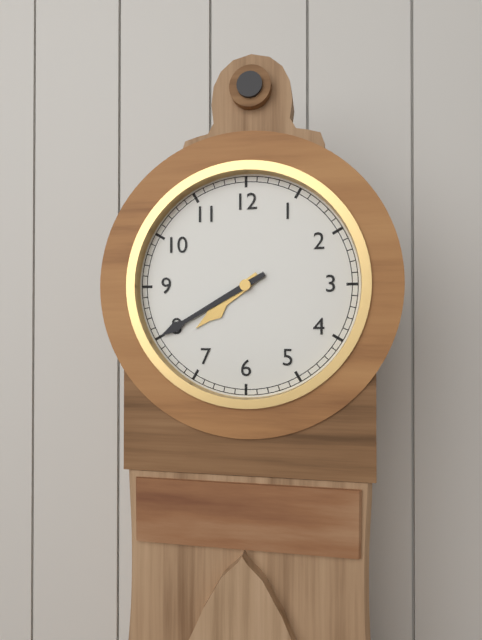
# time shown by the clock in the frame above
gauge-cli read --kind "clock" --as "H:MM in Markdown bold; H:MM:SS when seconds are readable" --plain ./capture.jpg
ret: **7:40**
